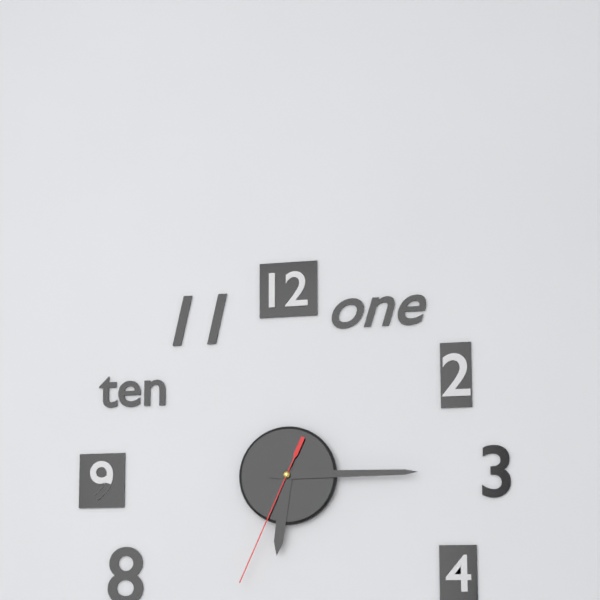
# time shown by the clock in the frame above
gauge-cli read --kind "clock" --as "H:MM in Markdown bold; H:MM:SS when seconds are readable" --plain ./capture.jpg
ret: **6:15:34**
